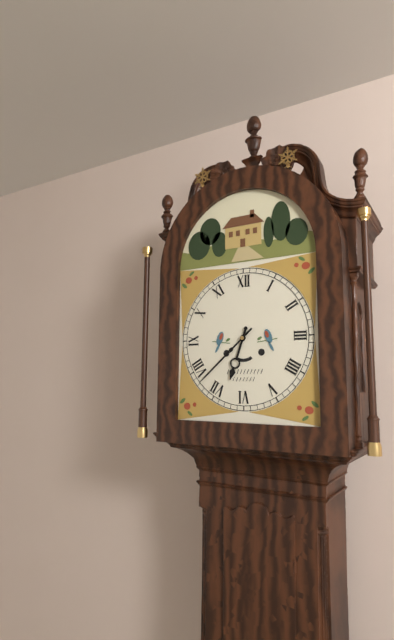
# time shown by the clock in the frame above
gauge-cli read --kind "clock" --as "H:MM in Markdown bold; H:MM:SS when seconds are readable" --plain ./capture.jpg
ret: **6:38**
